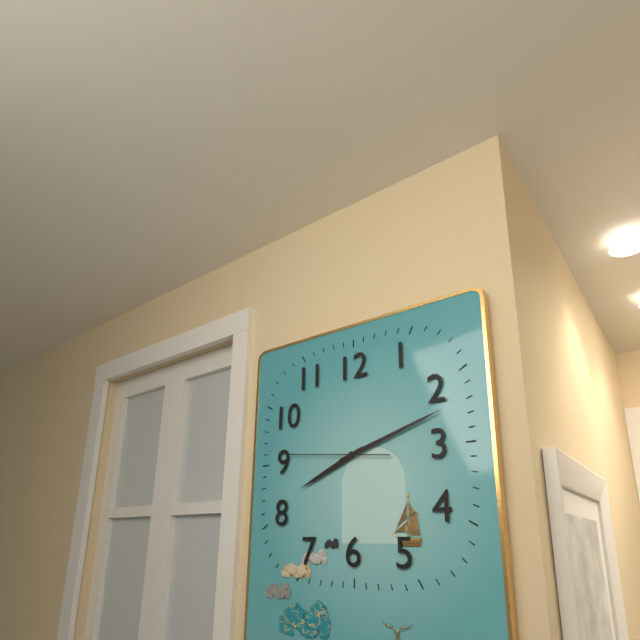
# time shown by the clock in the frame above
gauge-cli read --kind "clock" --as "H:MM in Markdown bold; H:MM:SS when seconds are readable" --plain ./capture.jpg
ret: **8:12:46**
